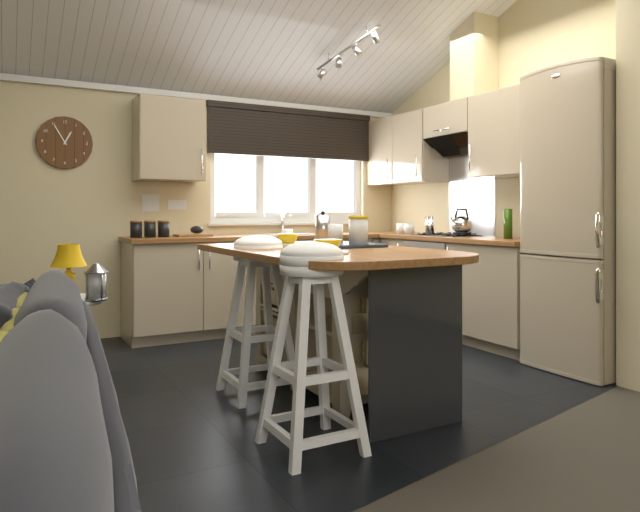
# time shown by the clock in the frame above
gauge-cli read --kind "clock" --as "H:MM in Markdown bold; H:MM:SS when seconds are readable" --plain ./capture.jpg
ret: **12:55**
